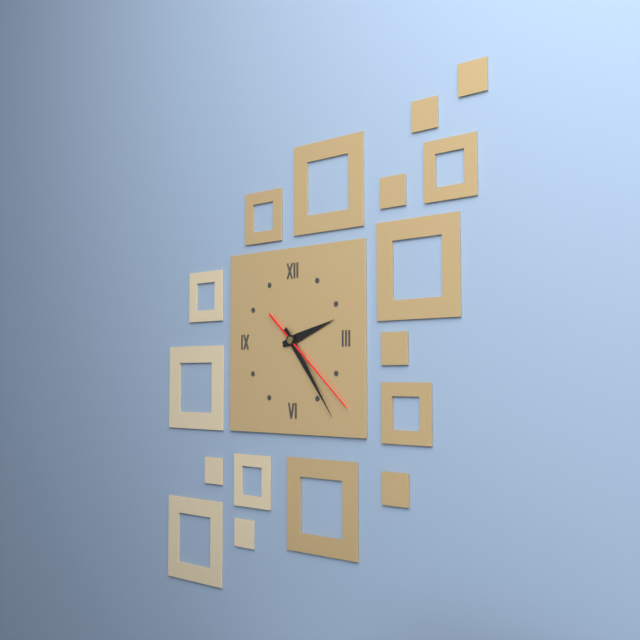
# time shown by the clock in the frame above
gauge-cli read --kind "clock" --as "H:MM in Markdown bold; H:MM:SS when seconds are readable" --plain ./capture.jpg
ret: **2:24:22**
